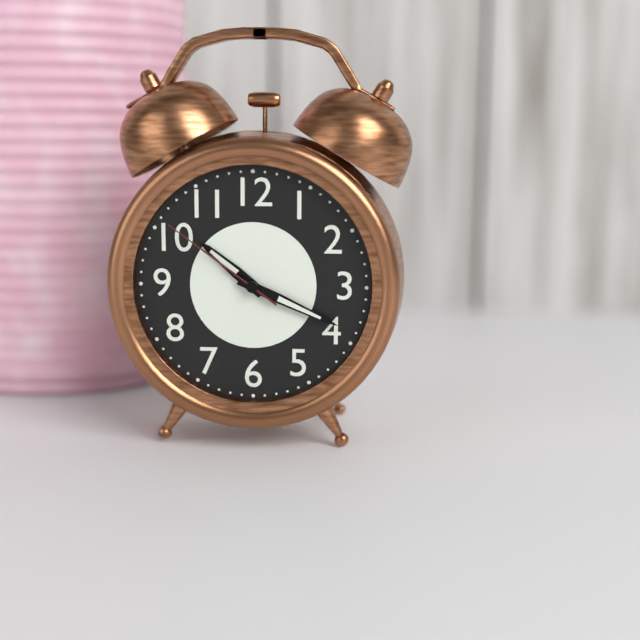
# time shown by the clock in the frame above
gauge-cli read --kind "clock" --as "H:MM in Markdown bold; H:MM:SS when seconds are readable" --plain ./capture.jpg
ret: **10:19:51**
